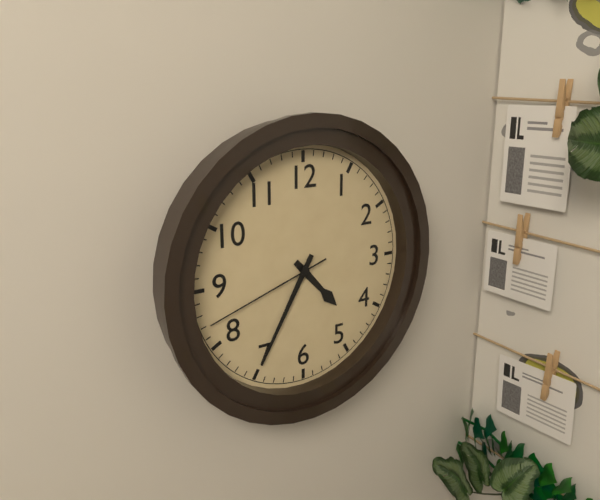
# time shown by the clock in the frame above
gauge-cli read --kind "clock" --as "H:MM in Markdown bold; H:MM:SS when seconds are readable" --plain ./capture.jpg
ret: **4:35:42**
